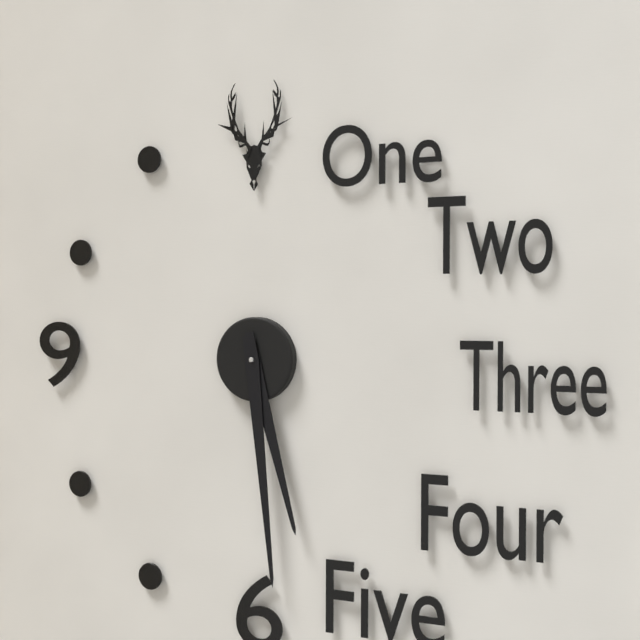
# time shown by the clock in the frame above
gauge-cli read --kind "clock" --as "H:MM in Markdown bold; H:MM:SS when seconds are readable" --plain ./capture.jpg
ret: **5:29**
